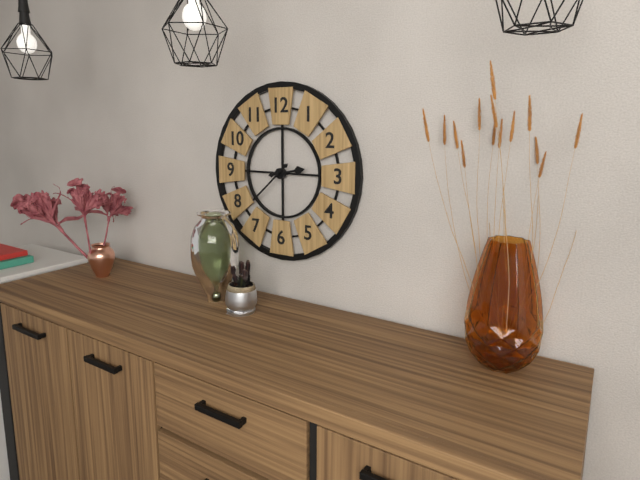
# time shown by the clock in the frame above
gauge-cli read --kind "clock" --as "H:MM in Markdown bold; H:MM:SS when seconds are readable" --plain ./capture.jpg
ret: **2:38**
